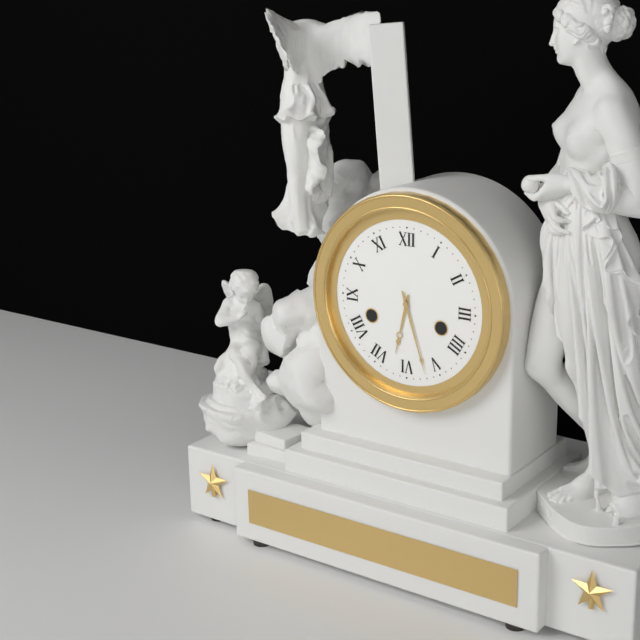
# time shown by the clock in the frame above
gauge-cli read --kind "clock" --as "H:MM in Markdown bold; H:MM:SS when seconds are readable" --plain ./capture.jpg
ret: **6:27**
